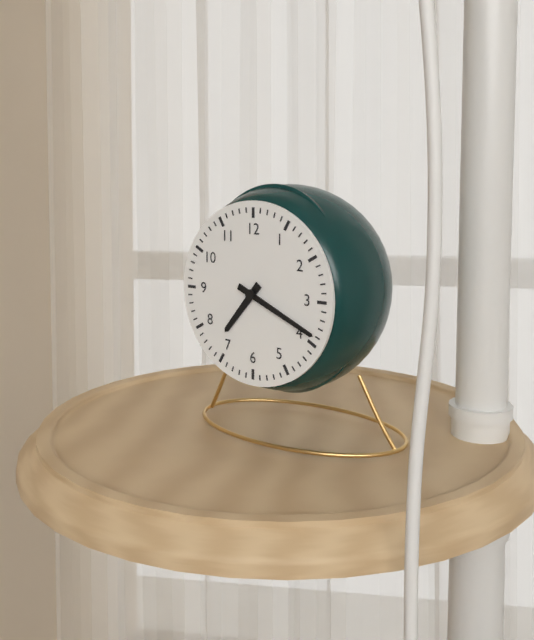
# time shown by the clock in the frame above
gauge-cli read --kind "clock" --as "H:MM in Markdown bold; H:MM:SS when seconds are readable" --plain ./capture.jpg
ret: **7:19**
